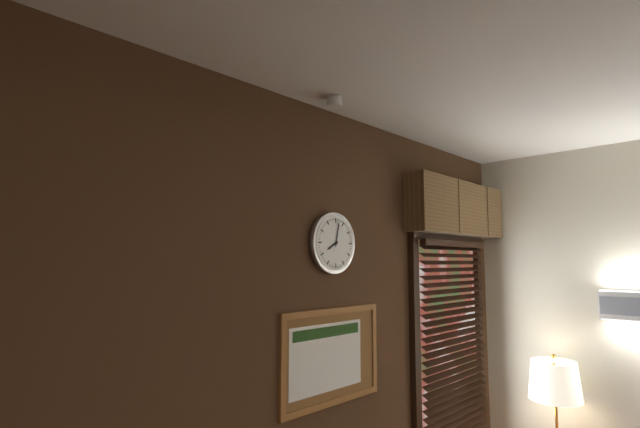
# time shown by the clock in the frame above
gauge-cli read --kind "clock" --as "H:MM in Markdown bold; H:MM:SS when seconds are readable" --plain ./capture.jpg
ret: **8:02**
